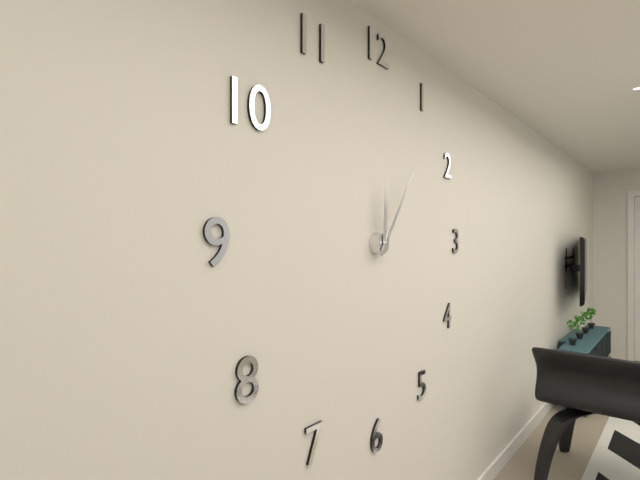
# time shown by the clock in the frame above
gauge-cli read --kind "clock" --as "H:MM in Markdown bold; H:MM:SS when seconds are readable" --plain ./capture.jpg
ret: **12:06**
